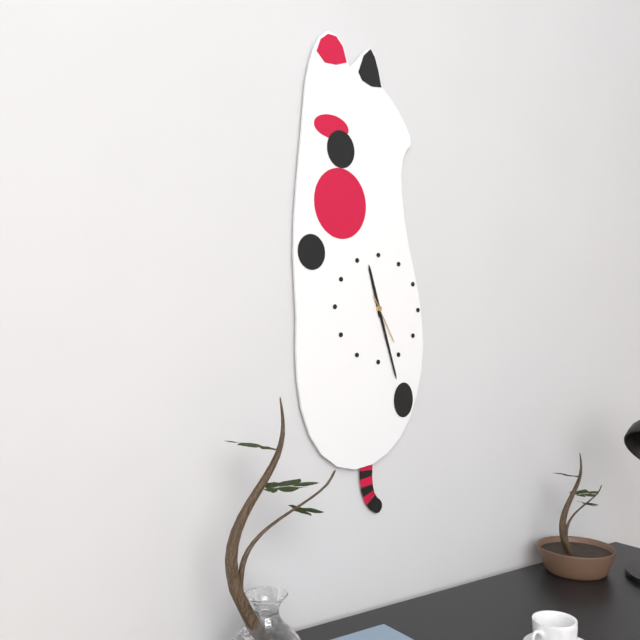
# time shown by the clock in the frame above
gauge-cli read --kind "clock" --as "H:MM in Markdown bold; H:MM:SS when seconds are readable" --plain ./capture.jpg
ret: **11:27**
